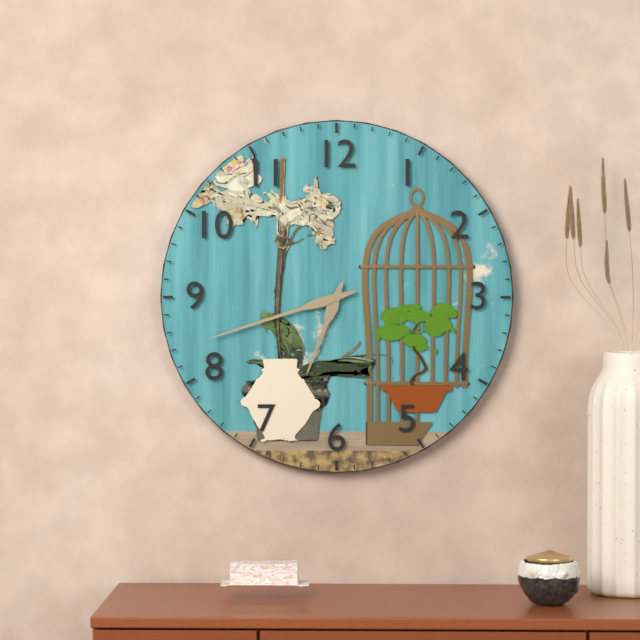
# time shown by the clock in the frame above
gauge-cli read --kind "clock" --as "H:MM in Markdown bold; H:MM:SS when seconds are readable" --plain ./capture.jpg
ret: **6:42**
